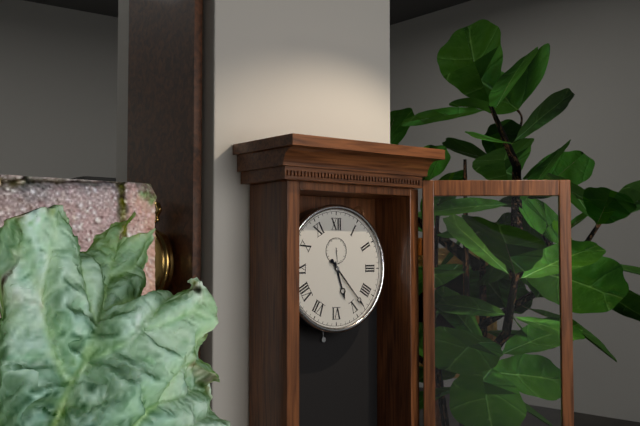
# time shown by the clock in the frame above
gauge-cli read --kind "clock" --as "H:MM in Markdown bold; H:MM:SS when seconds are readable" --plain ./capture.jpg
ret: **5:23**
